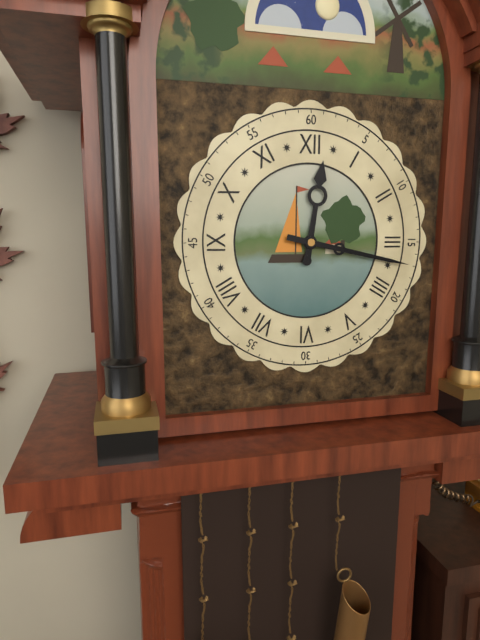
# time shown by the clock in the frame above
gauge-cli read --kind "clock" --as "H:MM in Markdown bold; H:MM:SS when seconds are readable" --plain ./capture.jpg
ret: **12:17**
